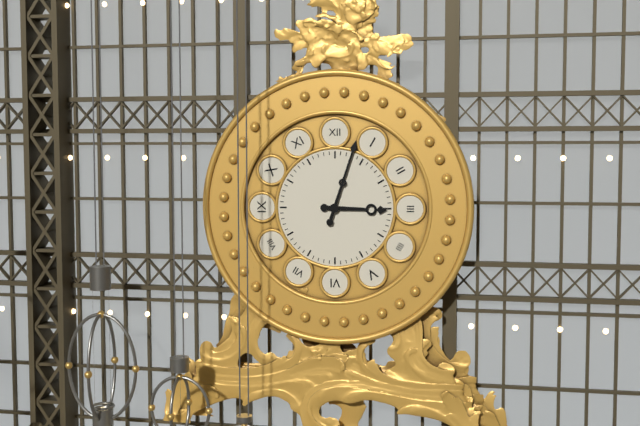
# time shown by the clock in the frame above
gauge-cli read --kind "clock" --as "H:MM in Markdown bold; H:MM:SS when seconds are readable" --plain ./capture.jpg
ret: **3:03**
